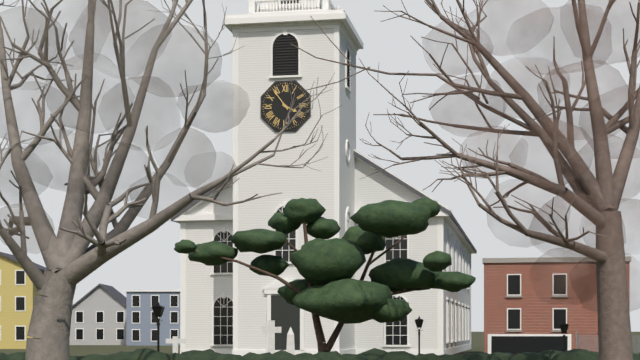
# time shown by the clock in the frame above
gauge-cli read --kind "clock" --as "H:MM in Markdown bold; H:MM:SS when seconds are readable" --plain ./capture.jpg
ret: **3:54**
